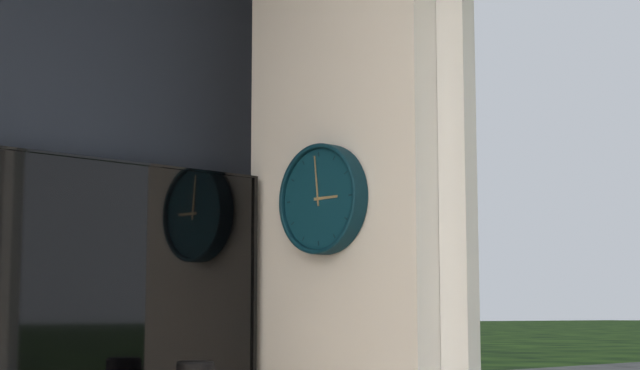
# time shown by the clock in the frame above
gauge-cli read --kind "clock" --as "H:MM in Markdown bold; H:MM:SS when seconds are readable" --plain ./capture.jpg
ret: **2:59**
